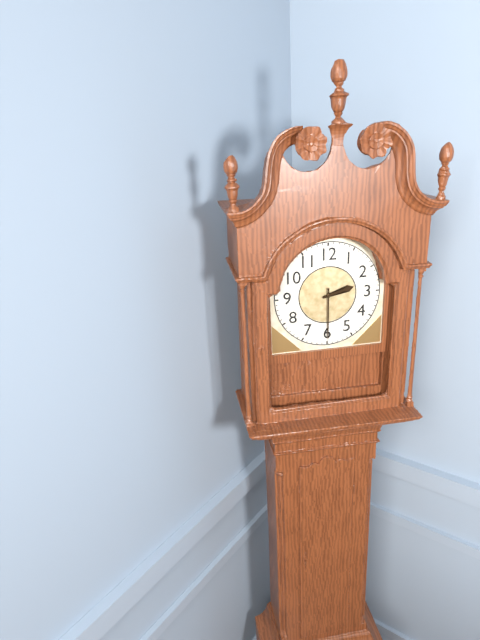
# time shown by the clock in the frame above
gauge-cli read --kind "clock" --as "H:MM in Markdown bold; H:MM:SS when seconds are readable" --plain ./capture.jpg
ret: **2:30**
